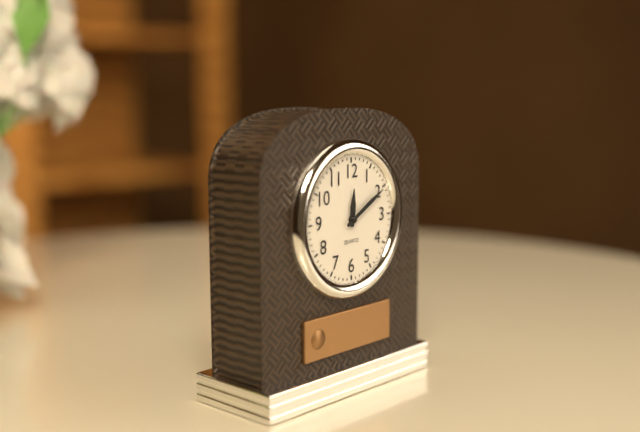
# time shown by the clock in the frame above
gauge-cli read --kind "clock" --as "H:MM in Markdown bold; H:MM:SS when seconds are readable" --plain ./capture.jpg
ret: **12:10**
